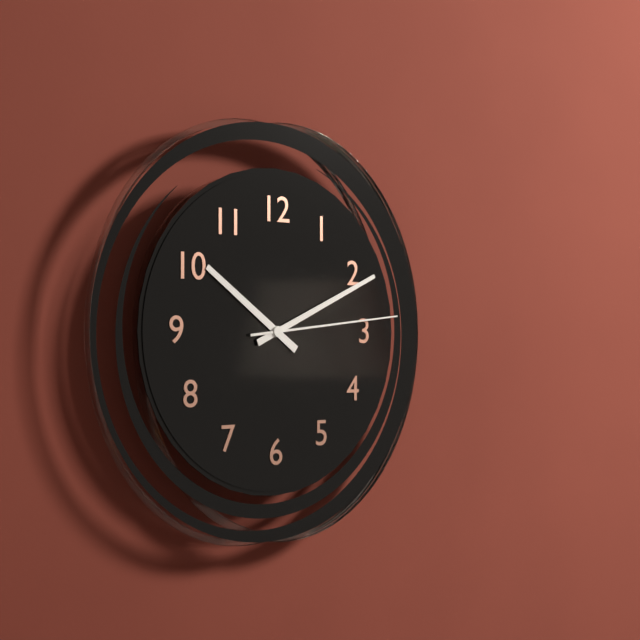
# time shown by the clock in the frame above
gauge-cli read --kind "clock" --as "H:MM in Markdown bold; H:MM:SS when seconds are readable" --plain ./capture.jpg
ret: **10:11:14**
